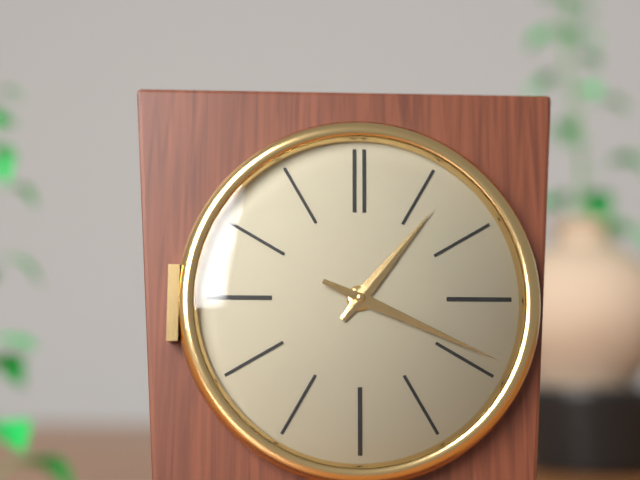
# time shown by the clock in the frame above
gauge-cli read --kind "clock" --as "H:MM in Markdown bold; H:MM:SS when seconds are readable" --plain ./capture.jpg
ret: **1:19**
